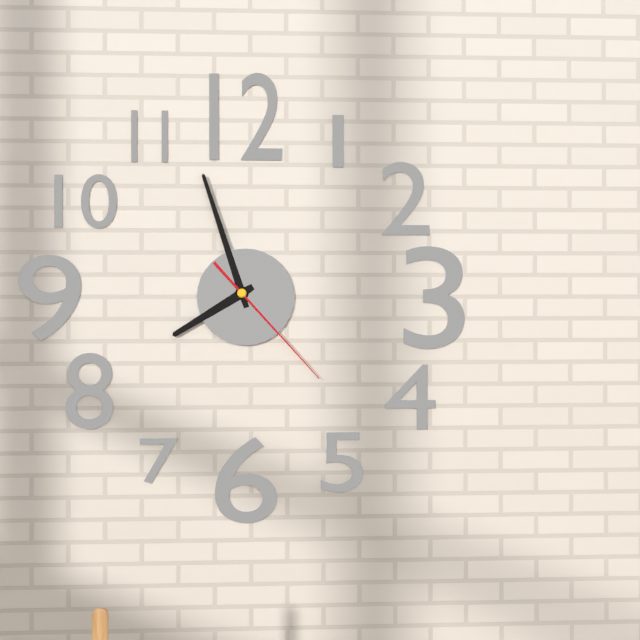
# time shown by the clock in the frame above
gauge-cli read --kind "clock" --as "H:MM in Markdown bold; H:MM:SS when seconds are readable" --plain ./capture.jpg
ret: **7:57:23**
